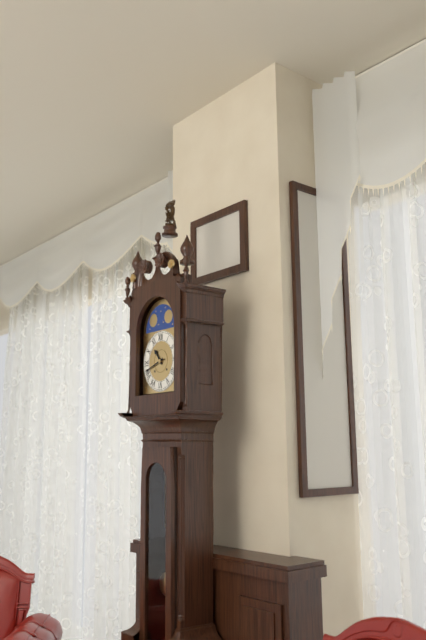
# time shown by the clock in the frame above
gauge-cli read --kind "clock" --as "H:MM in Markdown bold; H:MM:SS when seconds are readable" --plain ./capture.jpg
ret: **10:42**
